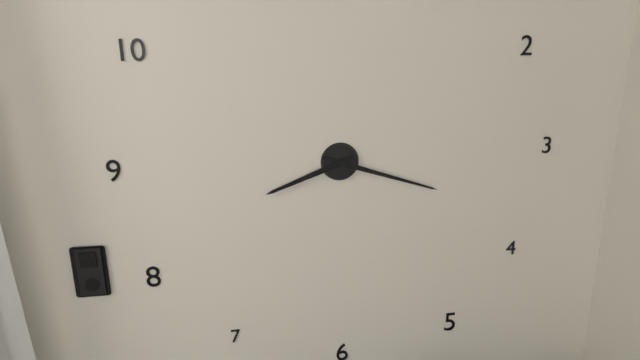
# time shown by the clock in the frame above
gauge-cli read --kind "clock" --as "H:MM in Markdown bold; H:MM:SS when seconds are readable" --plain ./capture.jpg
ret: **8:18**
